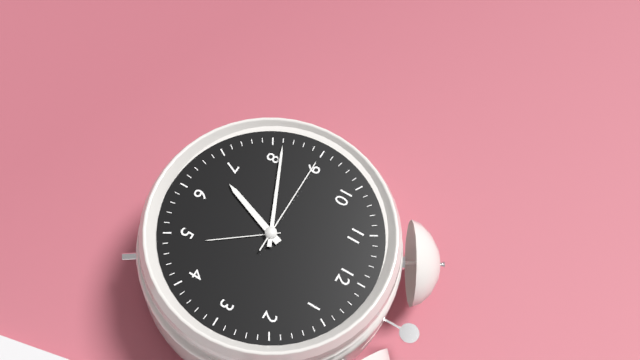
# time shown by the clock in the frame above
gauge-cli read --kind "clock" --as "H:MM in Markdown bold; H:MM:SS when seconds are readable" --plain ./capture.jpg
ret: **6:41:45**
